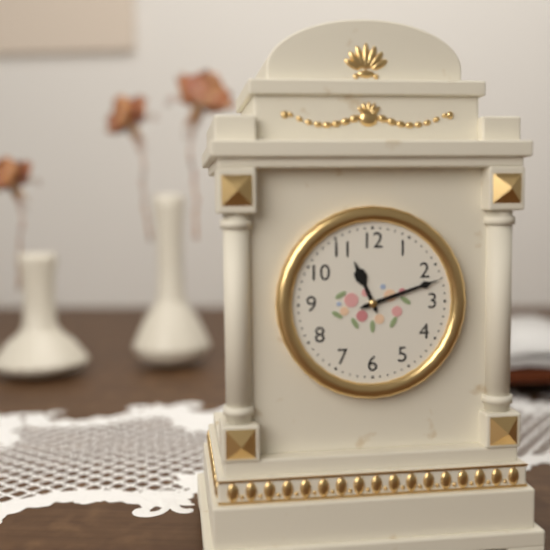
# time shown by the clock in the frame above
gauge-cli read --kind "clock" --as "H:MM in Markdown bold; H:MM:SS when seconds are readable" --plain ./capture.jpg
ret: **11:12**
